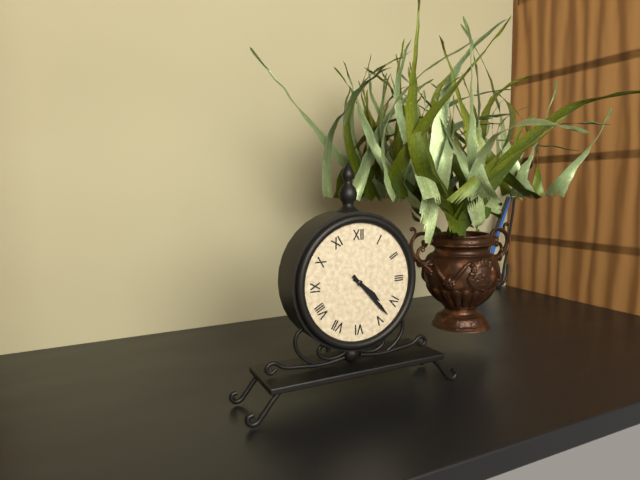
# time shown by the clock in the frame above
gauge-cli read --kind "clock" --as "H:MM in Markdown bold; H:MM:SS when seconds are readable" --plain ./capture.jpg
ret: **4:23**
